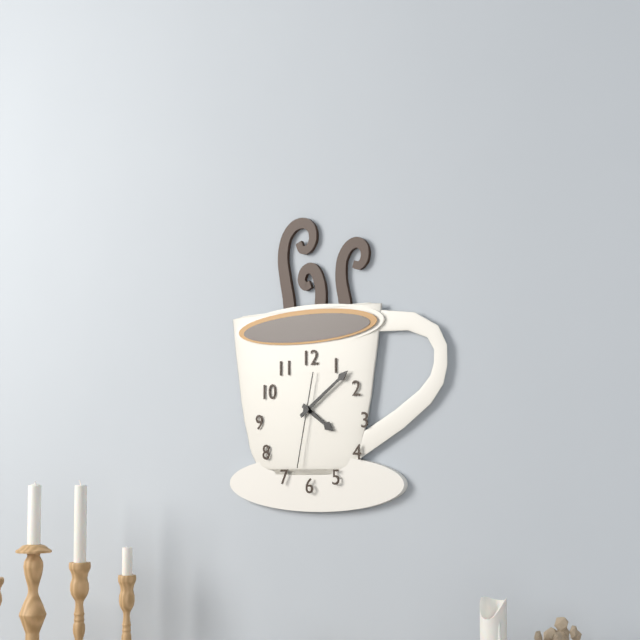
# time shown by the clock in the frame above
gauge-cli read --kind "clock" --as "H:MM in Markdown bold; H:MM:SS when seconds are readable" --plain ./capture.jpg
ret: **4:09:32**
